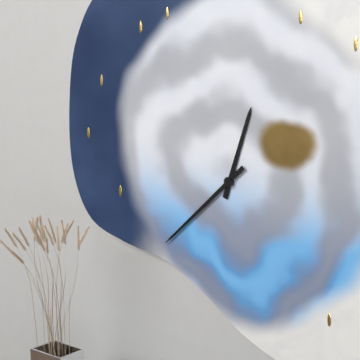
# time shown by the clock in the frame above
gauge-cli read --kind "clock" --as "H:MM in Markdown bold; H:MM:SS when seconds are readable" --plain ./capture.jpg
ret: **12:38**
